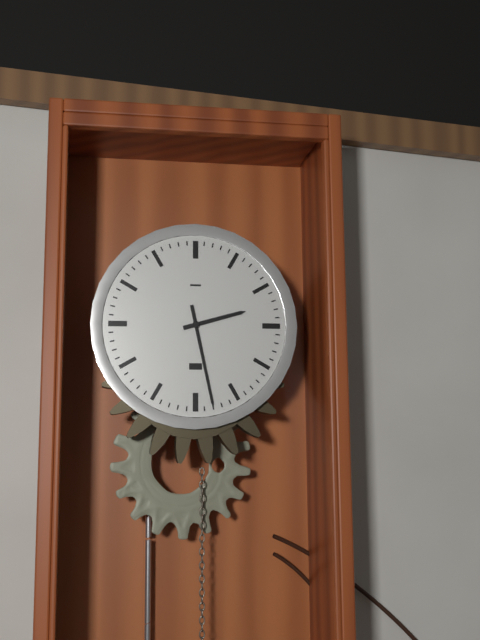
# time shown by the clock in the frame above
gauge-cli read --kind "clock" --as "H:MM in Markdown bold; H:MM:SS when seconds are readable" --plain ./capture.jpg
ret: **2:28**
